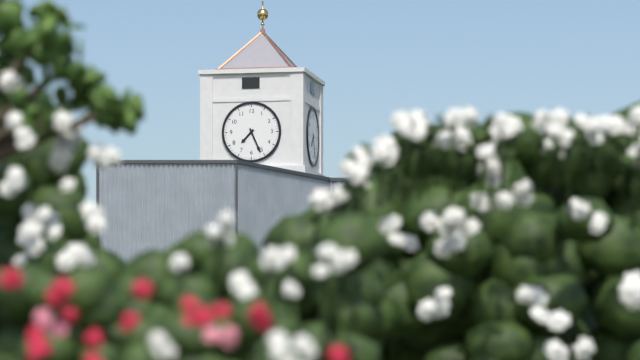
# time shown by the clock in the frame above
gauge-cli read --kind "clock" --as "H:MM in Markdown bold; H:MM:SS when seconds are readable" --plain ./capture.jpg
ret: **7:26**
